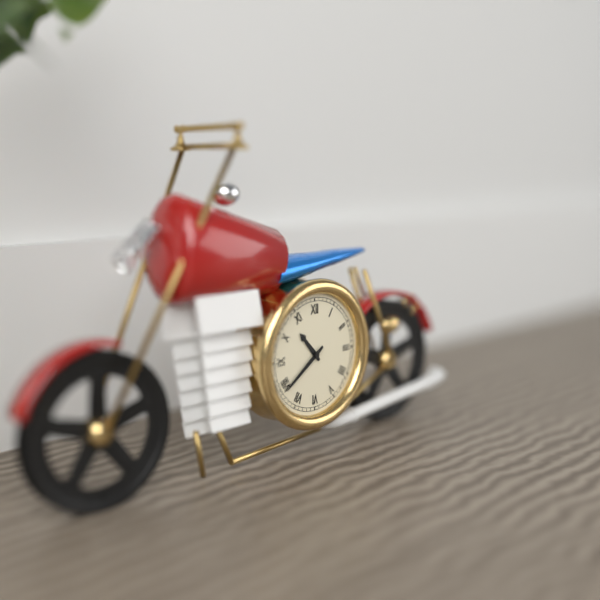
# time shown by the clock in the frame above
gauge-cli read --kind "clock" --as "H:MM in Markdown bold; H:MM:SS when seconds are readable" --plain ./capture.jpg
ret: **10:39**
